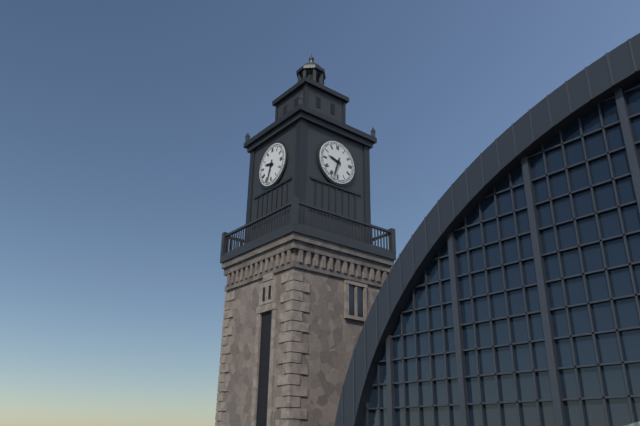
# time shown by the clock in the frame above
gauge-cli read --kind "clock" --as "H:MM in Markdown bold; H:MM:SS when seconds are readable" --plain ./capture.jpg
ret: **9:33**
